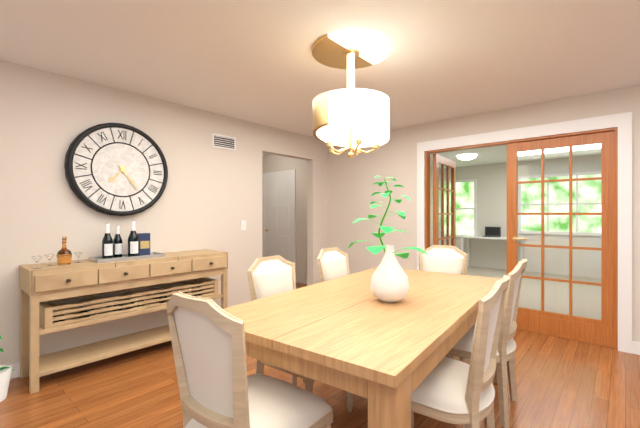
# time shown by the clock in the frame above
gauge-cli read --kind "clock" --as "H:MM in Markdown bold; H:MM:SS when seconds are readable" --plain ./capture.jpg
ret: **7:24**
